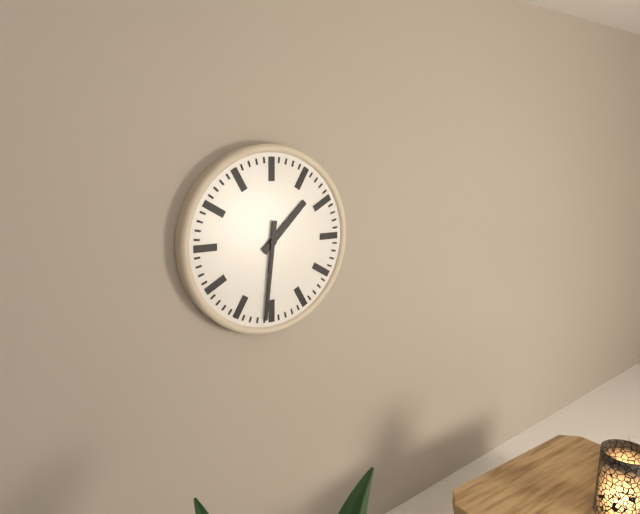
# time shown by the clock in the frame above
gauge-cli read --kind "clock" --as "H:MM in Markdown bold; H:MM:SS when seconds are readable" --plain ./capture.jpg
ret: **1:31**
